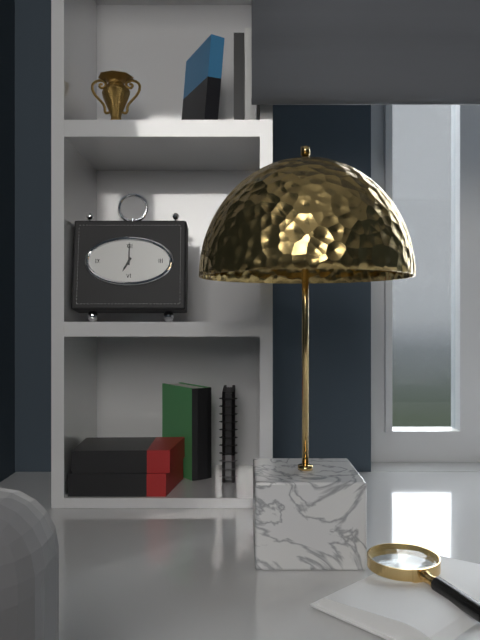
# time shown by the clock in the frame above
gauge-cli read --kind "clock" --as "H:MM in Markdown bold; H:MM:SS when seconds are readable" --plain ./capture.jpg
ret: **7:00**
